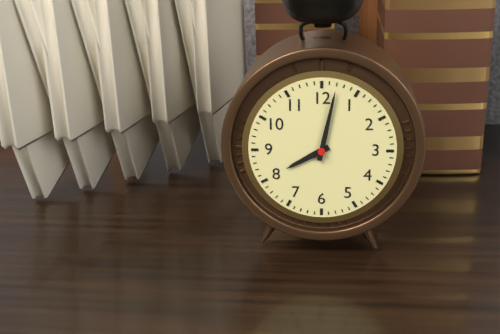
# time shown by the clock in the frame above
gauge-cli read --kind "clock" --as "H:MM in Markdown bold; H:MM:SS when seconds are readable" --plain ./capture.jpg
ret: **8:02**
